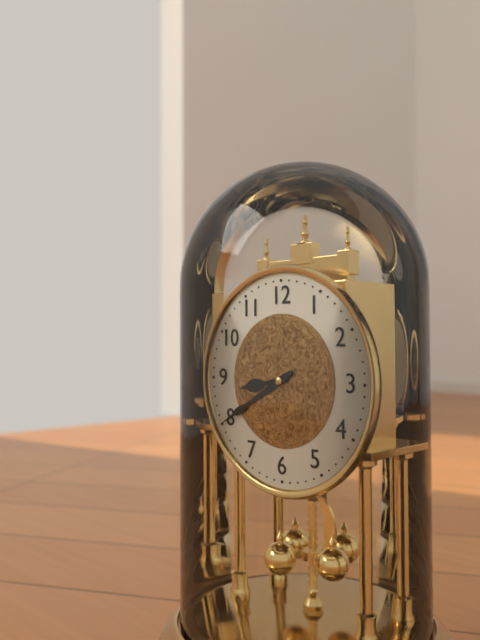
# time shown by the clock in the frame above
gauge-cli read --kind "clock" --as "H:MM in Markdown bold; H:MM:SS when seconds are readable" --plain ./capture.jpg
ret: **8:40**
